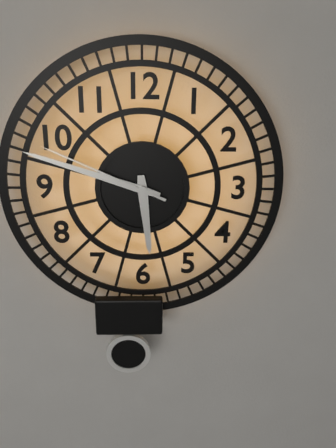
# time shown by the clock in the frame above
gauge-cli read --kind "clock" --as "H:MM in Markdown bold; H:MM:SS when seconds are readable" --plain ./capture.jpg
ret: **5:48:49**
